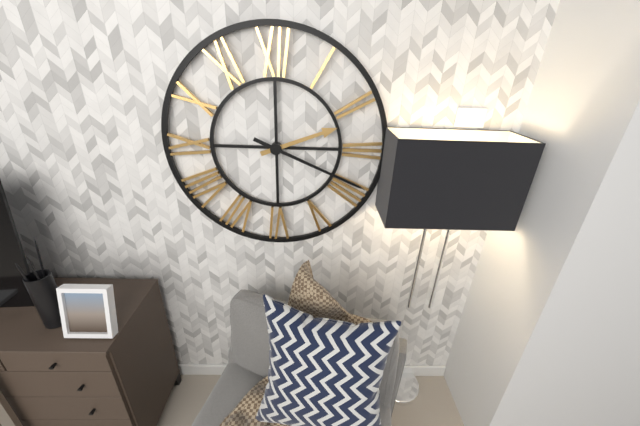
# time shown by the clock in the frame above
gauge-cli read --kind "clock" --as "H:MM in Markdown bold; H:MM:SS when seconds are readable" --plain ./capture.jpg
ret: **2:19**
